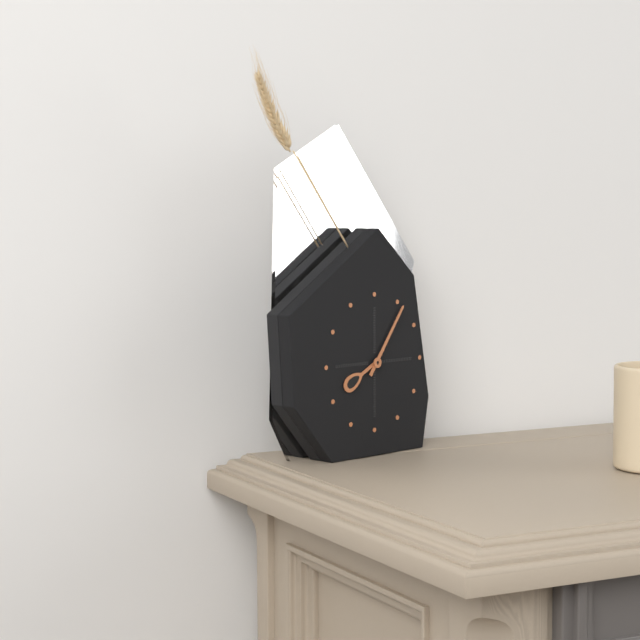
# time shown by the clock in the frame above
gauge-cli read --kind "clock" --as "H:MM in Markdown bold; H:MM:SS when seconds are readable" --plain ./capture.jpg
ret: **8:06**
